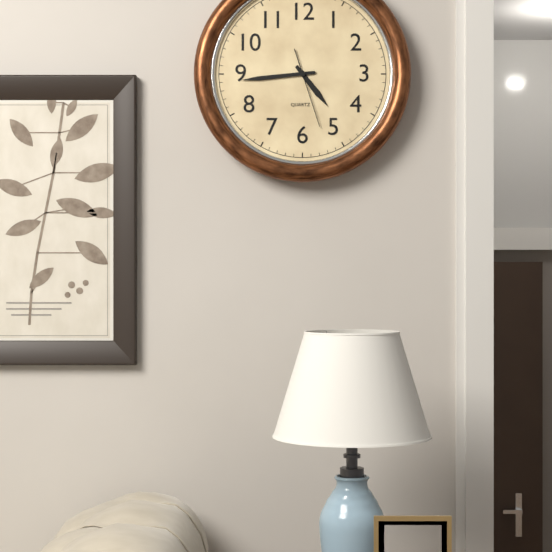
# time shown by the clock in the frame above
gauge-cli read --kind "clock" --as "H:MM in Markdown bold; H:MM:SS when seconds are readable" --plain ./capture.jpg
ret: **4:44:27**
